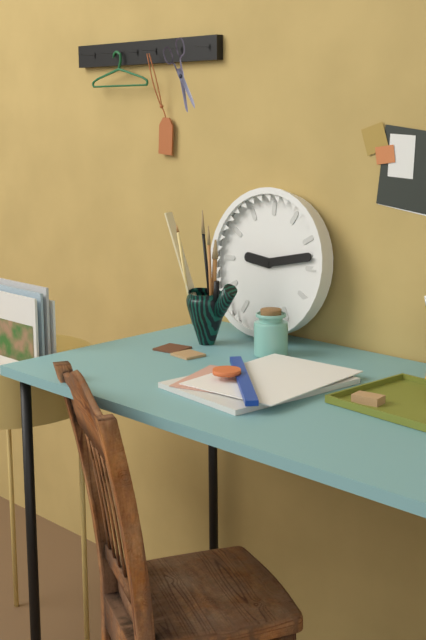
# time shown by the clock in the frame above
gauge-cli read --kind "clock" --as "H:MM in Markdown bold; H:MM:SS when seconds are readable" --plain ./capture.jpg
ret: **9:13**
